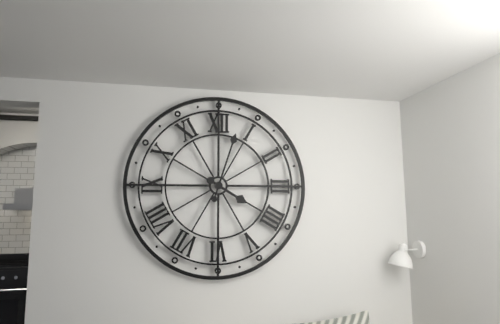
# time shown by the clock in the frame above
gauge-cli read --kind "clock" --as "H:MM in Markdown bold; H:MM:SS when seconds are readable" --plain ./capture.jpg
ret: **4:03**
